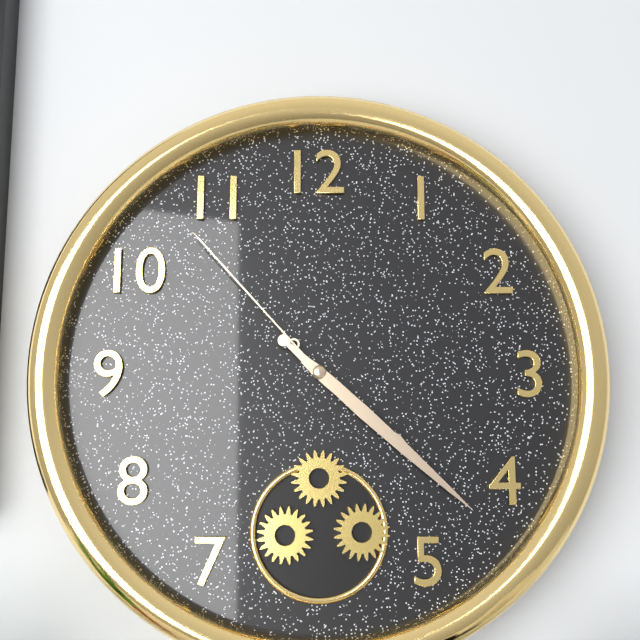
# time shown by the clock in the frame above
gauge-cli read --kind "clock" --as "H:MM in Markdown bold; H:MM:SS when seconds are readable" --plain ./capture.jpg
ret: **4:22:53**
